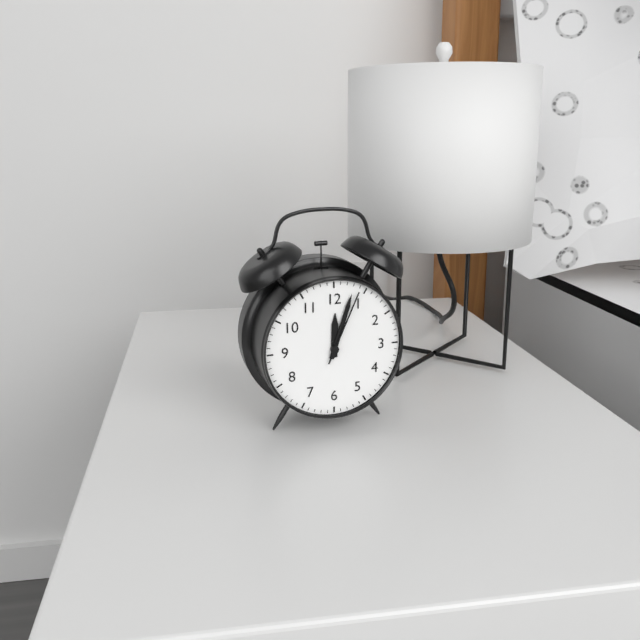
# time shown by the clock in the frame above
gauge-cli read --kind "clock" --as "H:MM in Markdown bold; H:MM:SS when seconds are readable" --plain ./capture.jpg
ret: **12:03:04**
